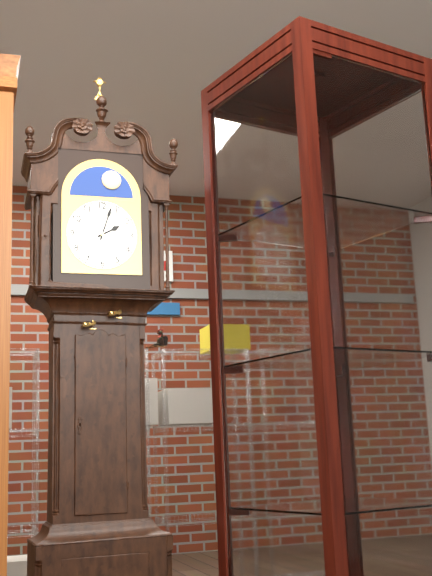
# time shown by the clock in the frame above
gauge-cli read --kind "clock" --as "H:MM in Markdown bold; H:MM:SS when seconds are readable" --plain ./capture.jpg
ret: **2:03**
